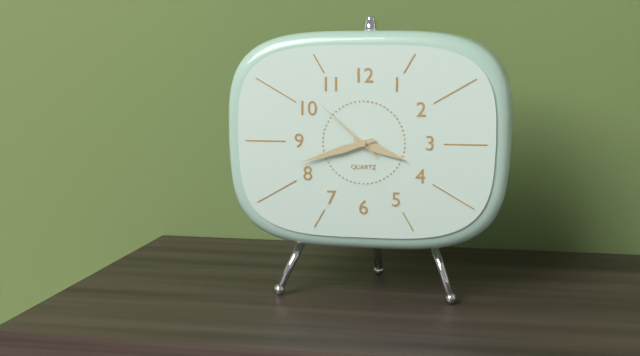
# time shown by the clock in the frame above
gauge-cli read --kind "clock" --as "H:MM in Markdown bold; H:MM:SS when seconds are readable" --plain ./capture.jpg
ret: **3:42:52**
